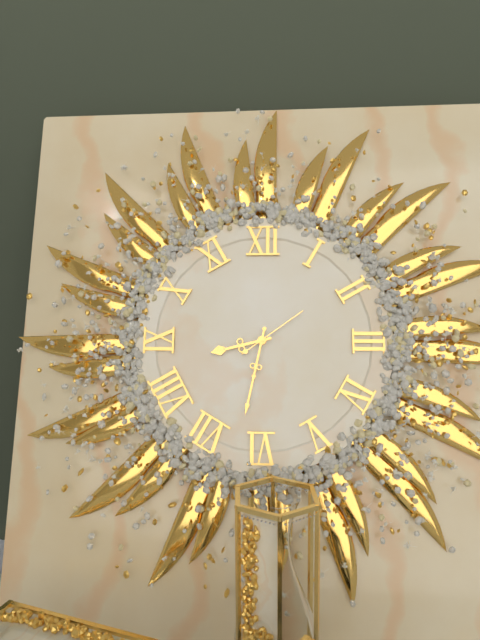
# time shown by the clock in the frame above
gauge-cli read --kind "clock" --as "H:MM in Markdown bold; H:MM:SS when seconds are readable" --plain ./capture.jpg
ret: **8:32:09**
